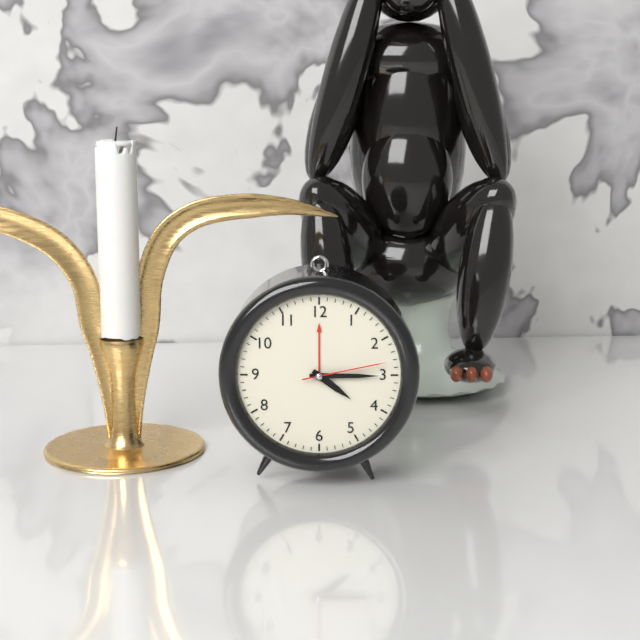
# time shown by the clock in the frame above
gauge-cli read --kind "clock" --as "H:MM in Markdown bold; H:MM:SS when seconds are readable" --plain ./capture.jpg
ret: **4:15:13**
